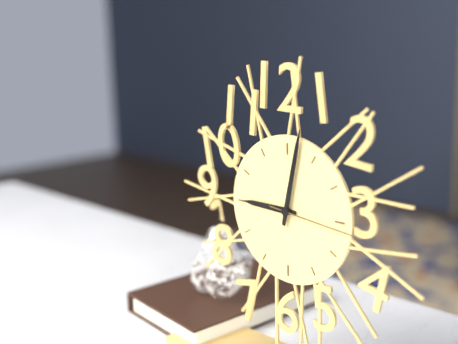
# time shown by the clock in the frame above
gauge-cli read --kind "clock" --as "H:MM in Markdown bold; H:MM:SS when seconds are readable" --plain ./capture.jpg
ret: **9:02:16**
